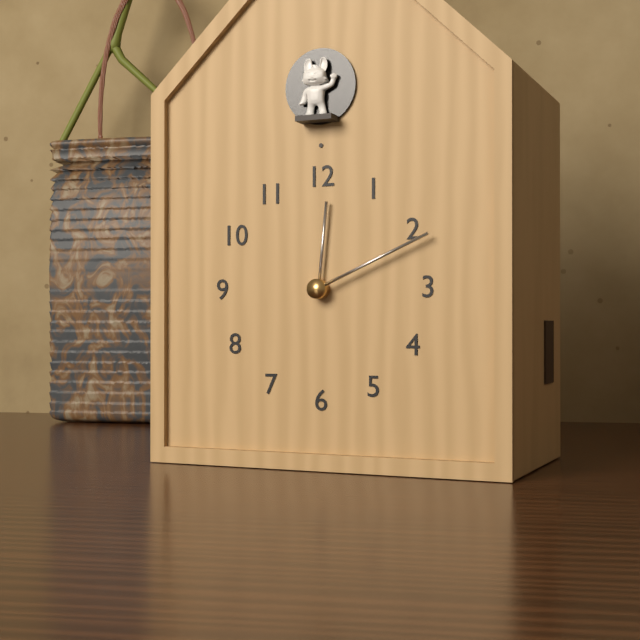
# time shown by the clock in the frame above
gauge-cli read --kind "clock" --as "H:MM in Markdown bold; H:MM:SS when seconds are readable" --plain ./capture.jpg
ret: **12:11**
